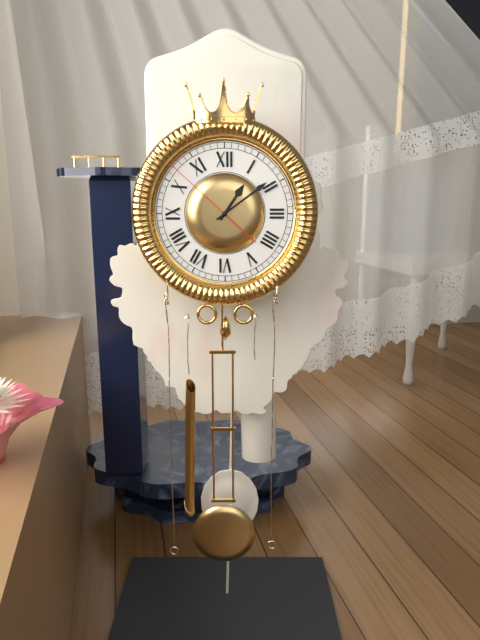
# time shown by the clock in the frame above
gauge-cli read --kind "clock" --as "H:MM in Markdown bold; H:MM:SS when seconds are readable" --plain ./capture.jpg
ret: **1:09:52**
